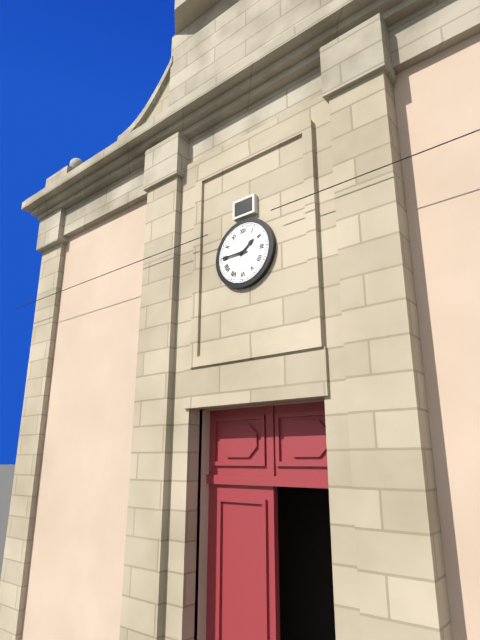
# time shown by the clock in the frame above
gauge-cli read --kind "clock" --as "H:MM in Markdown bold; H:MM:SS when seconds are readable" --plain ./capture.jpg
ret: **1:45**
